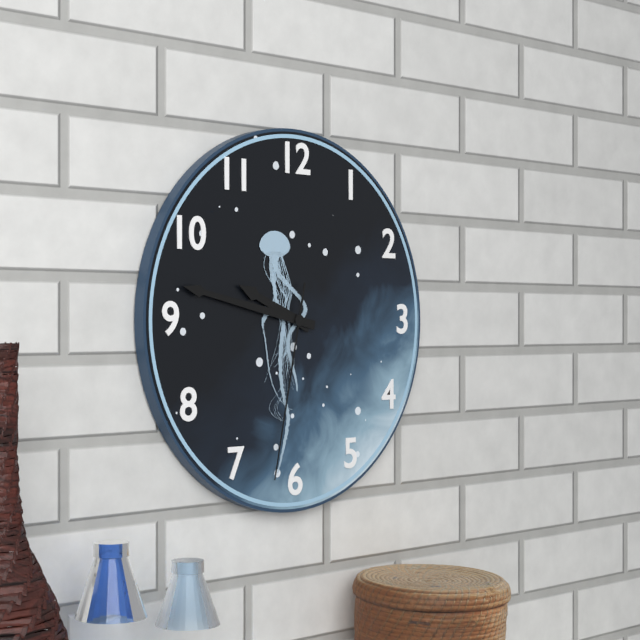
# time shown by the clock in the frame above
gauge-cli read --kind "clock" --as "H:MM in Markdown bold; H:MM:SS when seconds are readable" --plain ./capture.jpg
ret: **9:47:32**
